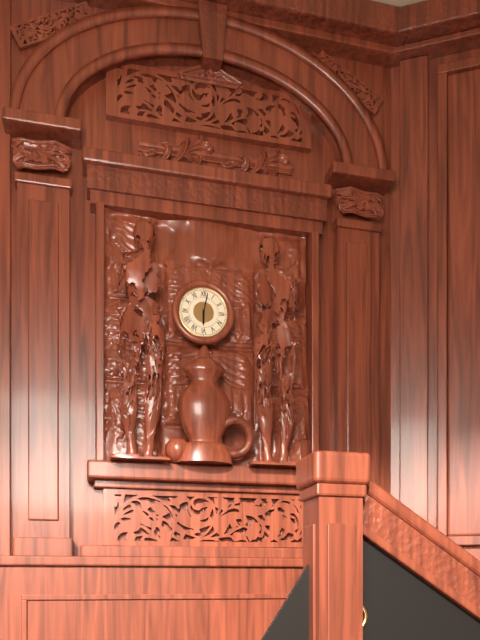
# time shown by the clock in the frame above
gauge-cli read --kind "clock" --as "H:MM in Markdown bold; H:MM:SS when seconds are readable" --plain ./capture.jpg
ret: **6:02**
